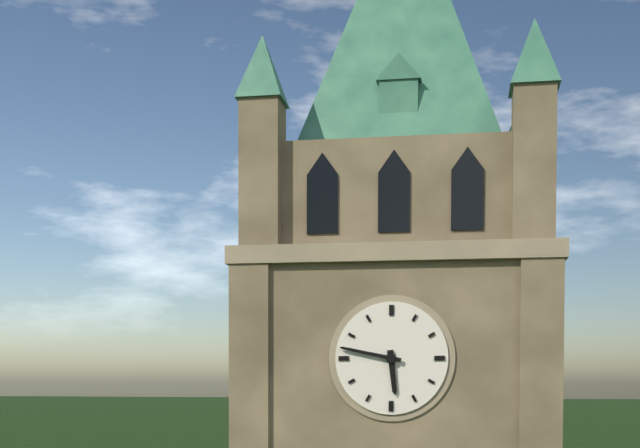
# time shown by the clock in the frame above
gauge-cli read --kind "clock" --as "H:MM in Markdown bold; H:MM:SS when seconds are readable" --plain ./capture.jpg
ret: **5:47**
